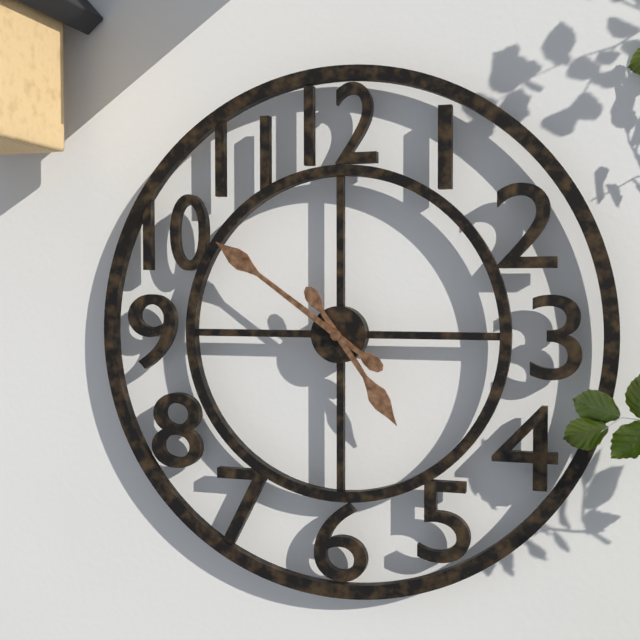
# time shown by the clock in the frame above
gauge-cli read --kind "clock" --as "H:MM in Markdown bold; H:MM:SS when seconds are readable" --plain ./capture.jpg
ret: **4:51**
